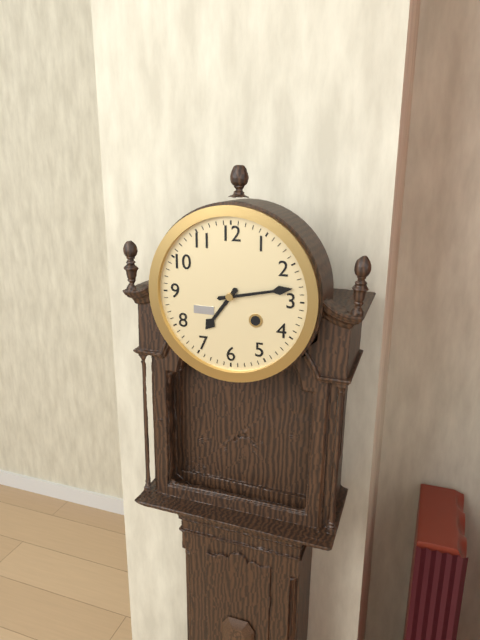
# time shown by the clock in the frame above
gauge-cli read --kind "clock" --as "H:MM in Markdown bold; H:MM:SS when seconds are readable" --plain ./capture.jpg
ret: **7:13**
